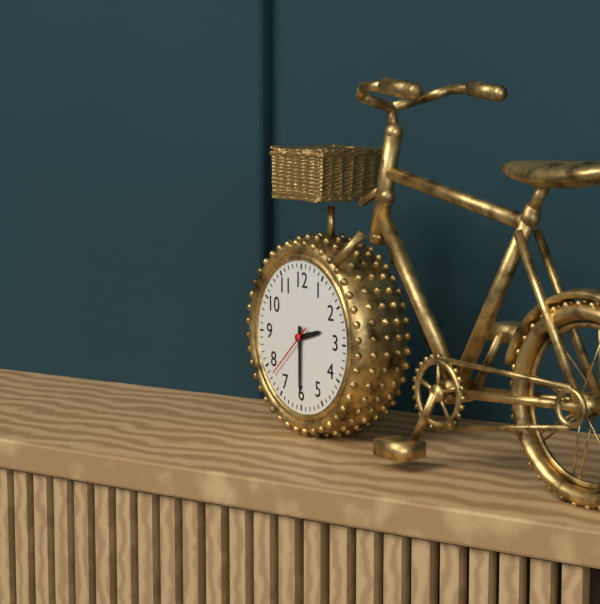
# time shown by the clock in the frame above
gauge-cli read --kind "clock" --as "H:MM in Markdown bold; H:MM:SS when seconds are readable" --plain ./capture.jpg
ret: **2:30:38**
